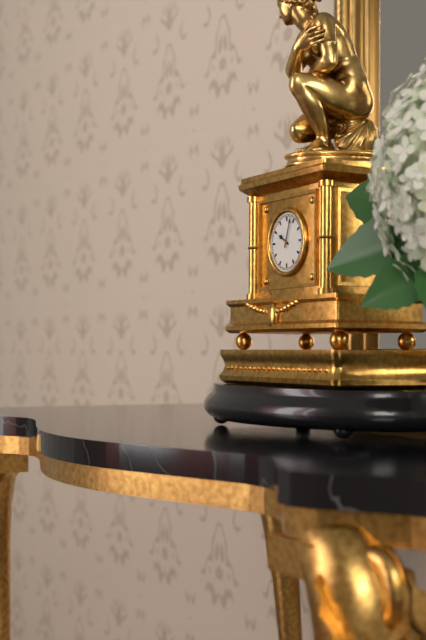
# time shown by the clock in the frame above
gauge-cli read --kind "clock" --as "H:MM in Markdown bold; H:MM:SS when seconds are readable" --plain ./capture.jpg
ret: **10:03**
